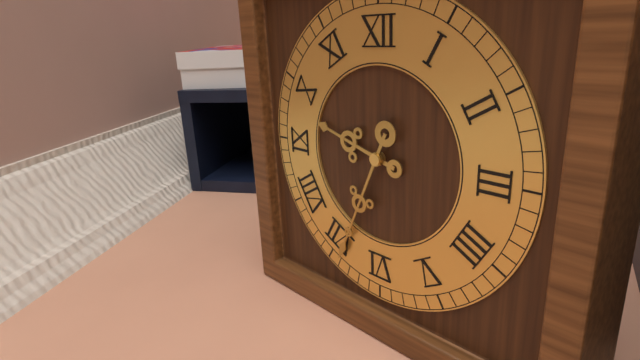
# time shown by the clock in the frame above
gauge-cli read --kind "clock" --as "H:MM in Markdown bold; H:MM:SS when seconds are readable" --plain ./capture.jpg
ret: **9:34**
